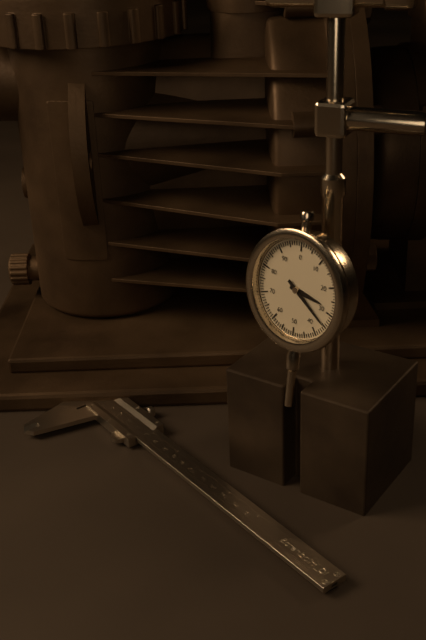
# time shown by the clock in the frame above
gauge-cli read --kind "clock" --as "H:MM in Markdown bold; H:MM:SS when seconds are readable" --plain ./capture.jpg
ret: **3:21**
